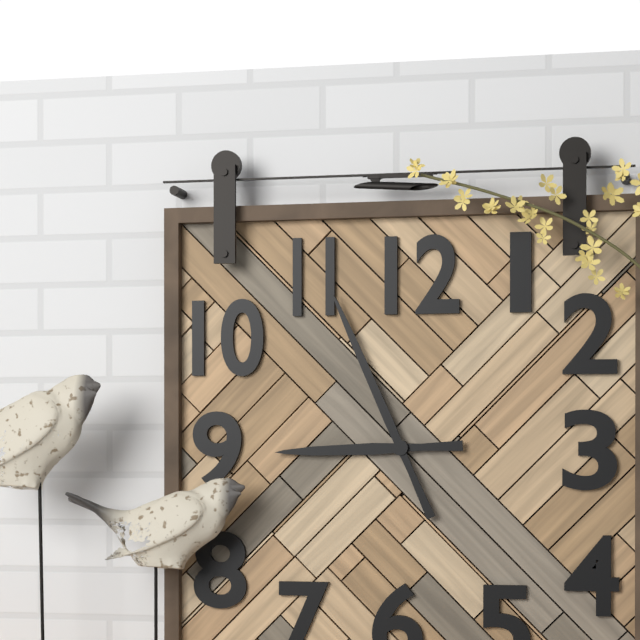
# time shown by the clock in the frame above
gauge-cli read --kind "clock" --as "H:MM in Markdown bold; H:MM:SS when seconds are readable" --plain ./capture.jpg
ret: **8:56**
